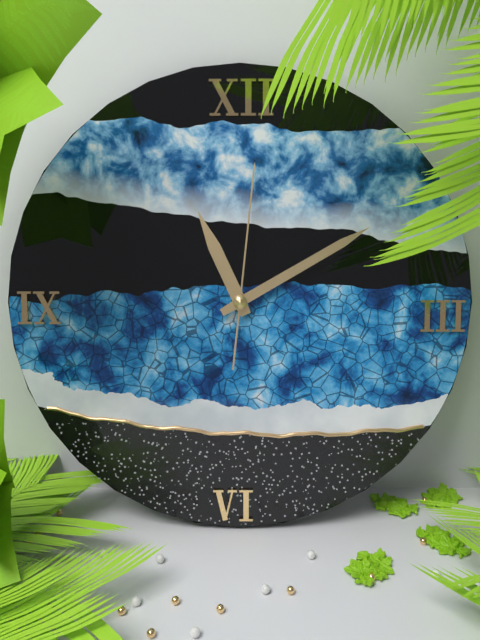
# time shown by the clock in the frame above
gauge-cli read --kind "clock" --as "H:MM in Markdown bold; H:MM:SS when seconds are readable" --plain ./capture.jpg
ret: **11:10:01**
